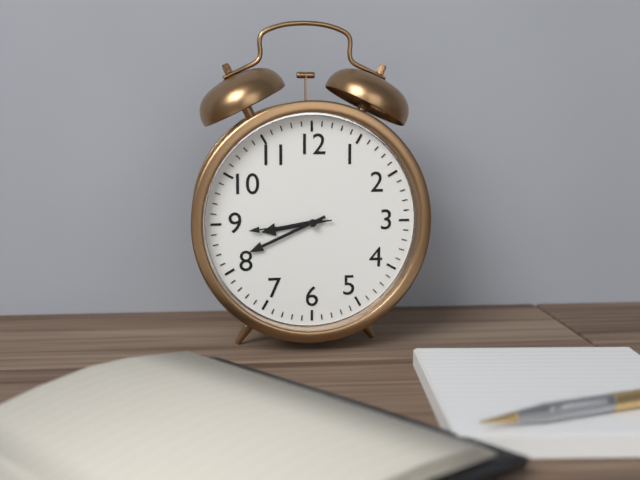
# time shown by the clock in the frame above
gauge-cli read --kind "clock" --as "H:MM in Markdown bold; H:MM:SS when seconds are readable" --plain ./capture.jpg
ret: **8:41:44**
